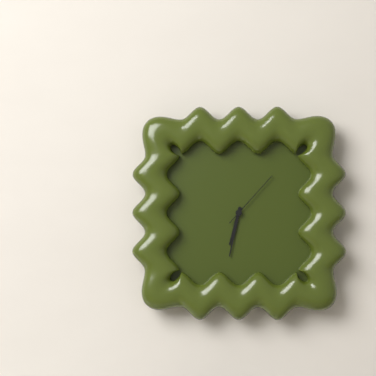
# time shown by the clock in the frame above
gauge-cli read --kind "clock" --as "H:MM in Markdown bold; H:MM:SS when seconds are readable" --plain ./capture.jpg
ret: **6:32:07**
